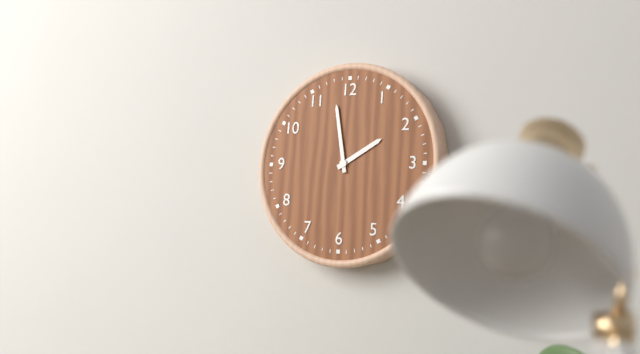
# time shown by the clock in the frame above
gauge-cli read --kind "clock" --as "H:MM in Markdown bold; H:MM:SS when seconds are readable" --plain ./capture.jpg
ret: **1:58**
